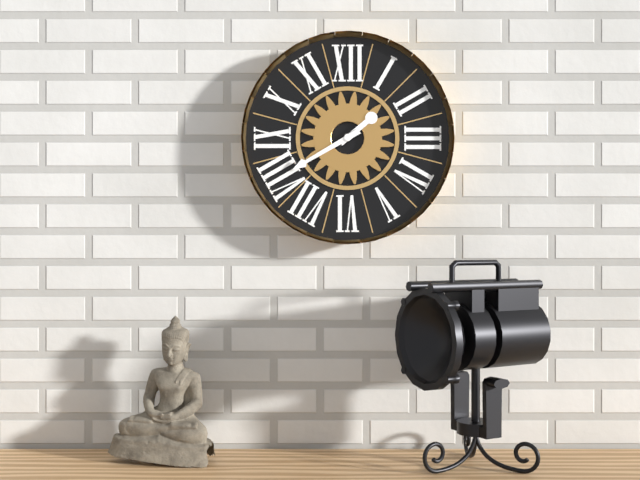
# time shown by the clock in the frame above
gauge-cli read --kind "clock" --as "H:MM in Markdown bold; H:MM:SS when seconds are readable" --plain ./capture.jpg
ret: **1:40**
